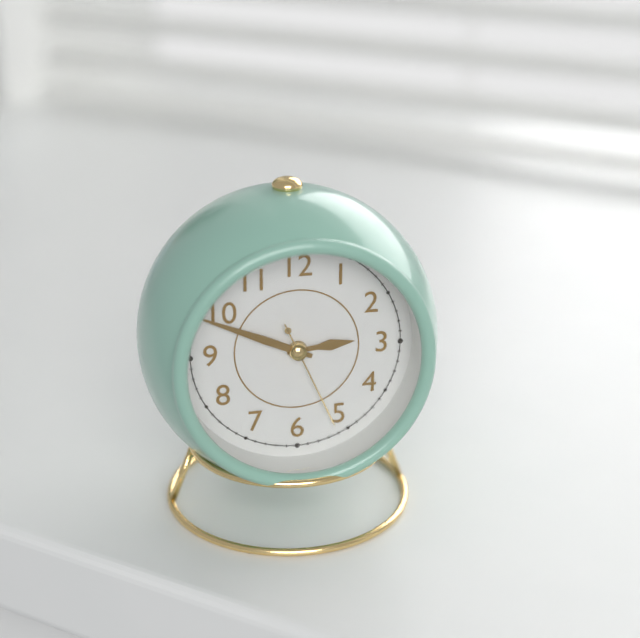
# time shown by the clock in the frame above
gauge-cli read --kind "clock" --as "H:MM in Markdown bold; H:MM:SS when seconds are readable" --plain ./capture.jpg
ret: **2:49:26**
